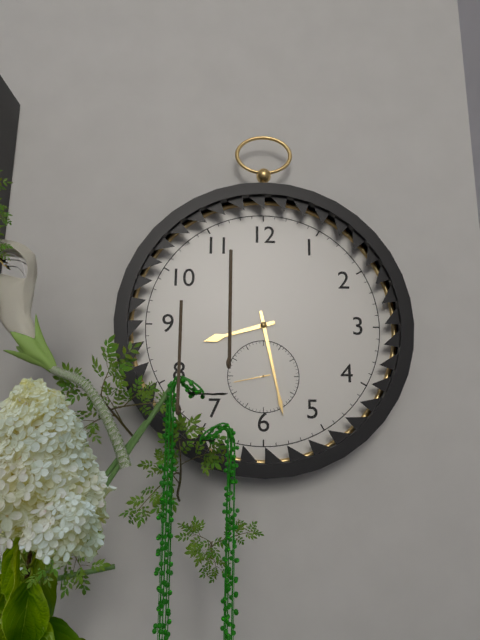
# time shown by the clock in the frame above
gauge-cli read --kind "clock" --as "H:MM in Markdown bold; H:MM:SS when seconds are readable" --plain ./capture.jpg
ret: **8:28**
